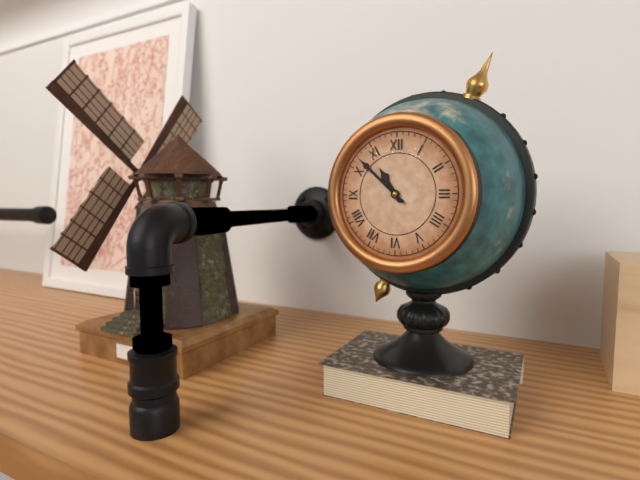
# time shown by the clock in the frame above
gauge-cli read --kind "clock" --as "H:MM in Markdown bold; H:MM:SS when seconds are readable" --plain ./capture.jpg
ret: **10:52**
